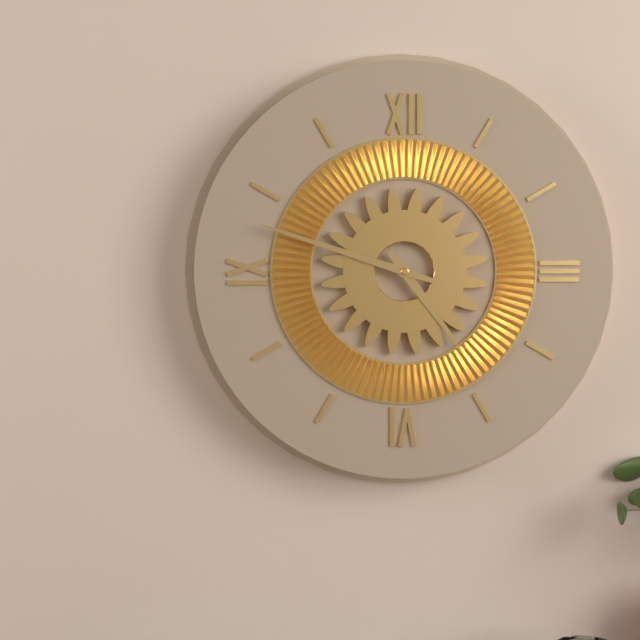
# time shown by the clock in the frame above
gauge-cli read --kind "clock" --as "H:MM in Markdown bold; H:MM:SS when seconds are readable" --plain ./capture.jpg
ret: **4:48**
